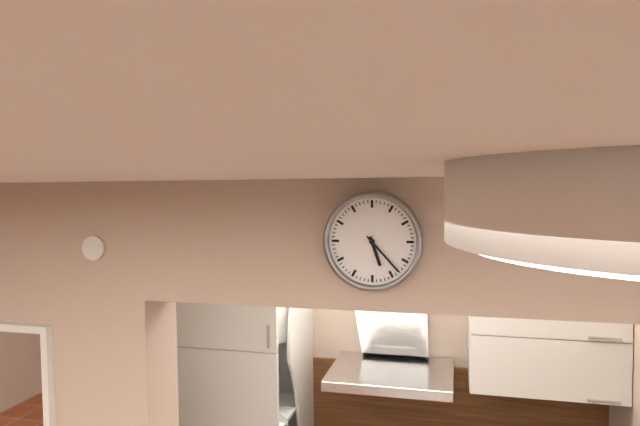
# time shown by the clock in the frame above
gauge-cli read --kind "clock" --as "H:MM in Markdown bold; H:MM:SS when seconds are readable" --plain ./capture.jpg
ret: **5:23**
